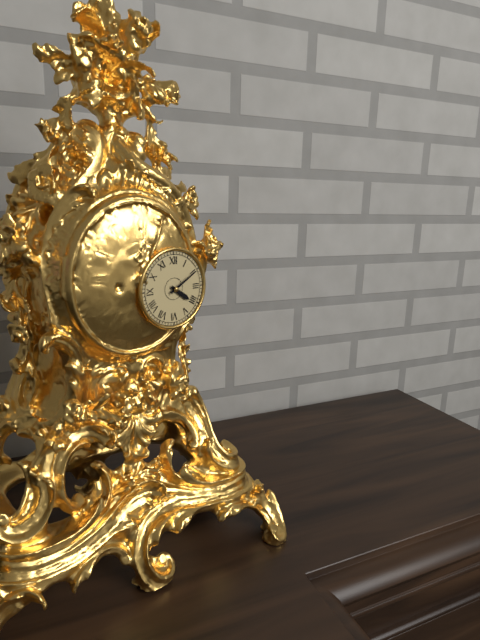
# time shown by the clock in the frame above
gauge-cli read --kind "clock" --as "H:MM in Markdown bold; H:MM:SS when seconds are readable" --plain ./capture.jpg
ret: **4:10**
